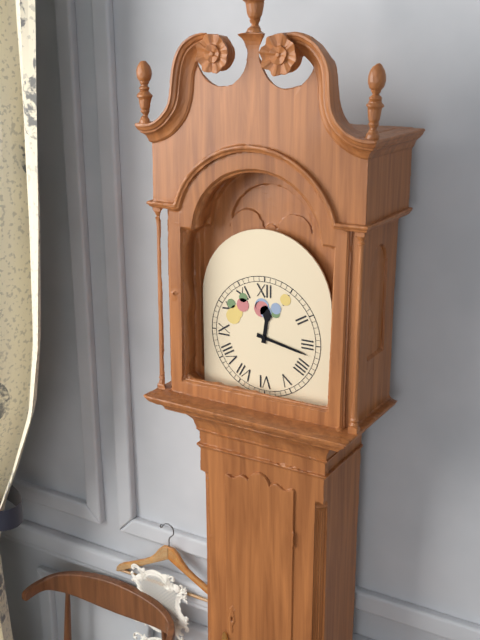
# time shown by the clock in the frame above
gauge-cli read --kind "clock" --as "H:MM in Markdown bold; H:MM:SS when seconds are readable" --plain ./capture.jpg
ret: **12:17**
